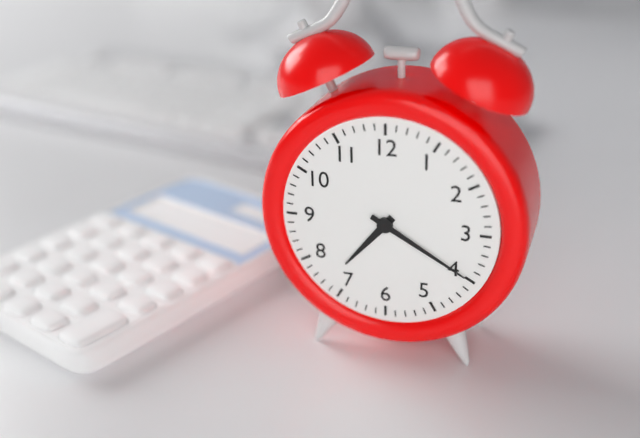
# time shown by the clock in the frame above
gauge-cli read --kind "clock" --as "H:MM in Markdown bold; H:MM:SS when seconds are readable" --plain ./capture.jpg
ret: **7:20**
